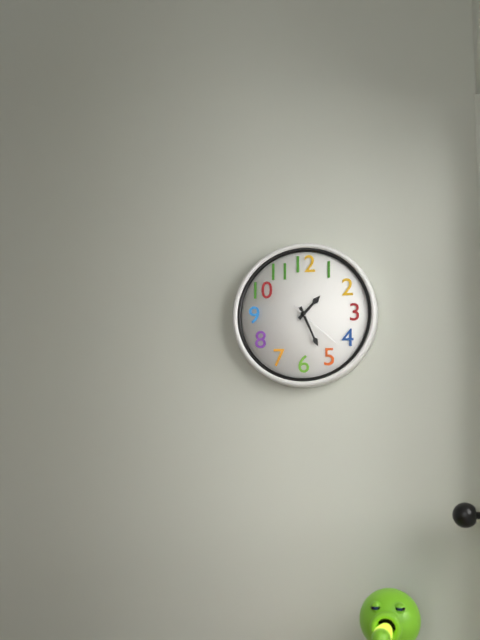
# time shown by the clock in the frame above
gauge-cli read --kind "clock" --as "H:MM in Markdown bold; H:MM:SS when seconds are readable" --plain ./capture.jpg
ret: **1:26:22**
